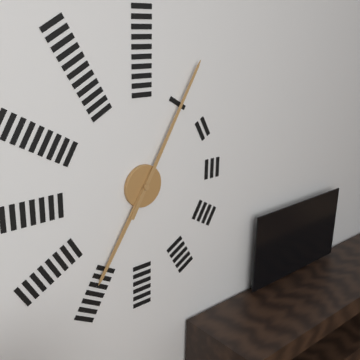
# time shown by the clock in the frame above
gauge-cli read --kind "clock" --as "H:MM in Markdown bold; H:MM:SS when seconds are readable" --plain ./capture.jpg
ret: **7:05**
